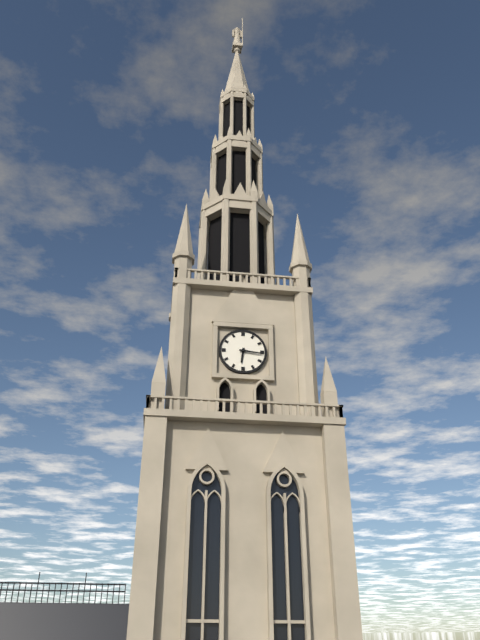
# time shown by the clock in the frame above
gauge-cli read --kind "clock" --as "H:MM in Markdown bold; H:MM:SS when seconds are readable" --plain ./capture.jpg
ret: **6:16**
